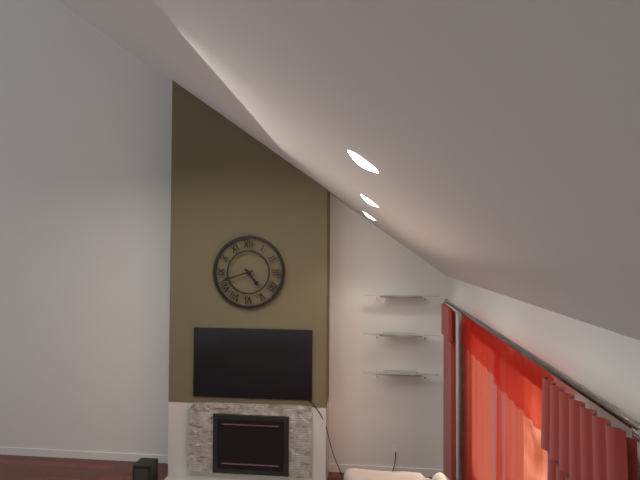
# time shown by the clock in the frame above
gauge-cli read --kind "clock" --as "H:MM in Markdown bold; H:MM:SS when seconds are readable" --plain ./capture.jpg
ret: **4:42**
